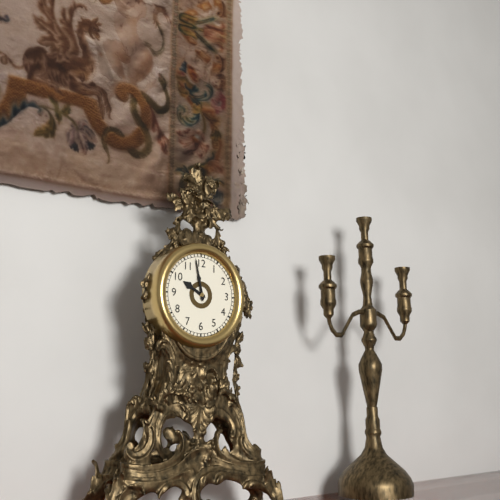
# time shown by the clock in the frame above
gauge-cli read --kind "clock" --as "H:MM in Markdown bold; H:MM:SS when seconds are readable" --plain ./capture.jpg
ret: **9:58**
